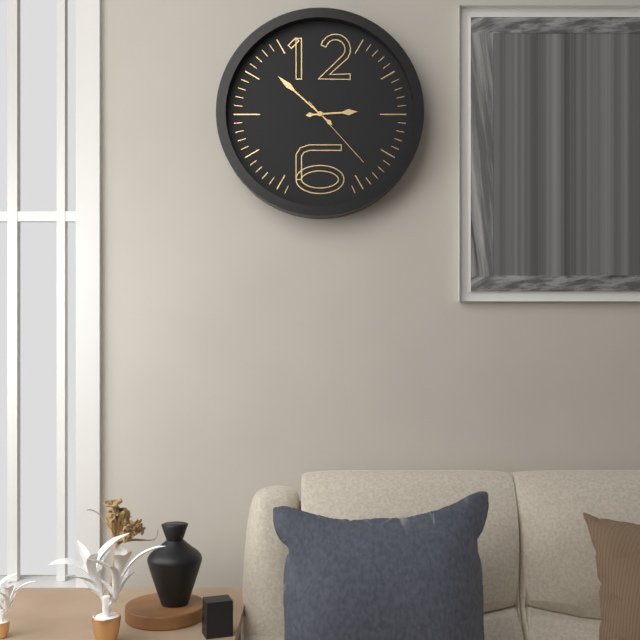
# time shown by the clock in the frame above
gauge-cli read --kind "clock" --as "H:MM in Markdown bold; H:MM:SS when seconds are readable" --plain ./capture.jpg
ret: **2:52:23**
